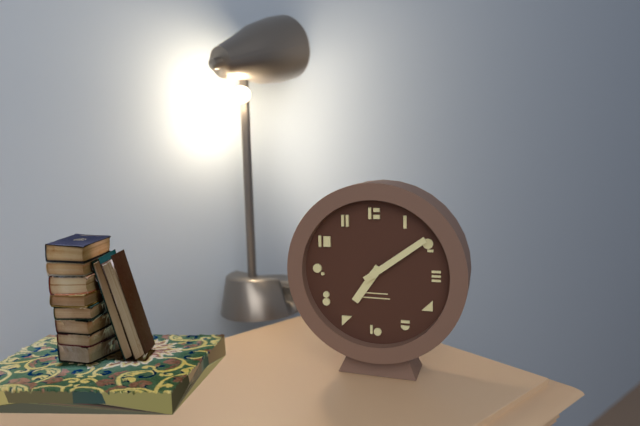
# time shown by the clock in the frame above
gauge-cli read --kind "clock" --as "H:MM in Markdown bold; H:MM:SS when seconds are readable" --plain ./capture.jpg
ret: **7:09**
